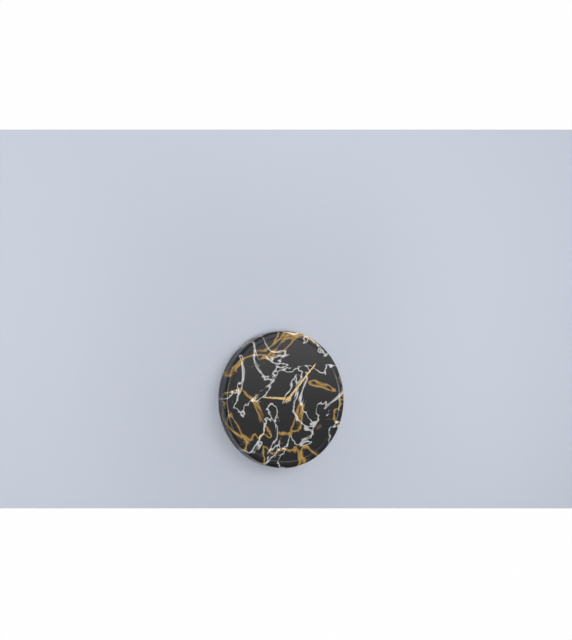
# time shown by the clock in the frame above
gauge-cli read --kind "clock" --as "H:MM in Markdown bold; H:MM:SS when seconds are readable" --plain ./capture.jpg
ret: **9:07**
